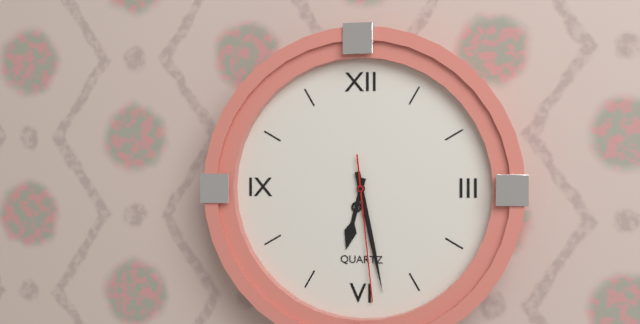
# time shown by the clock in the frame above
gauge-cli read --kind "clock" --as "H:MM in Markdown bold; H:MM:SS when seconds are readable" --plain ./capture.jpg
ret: **6:28:29**
